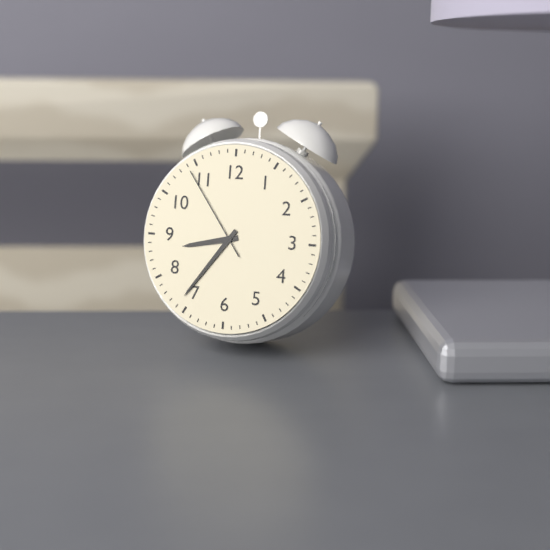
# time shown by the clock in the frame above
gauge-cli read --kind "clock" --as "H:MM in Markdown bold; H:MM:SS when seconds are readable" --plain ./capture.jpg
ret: **8:36:54**
